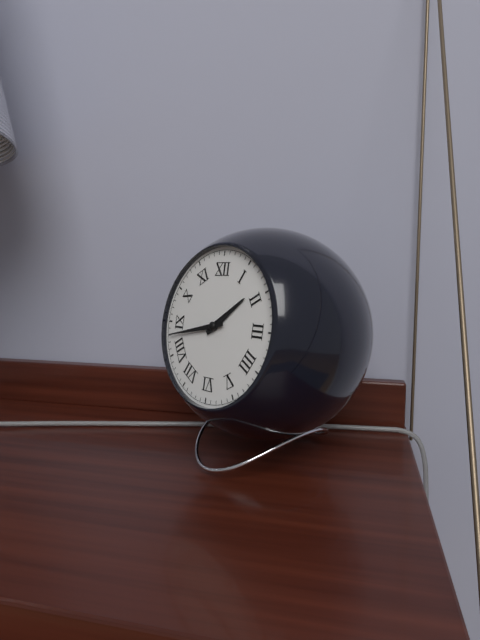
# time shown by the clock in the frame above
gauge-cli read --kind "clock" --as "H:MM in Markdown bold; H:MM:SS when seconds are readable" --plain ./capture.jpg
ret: **1:43**
